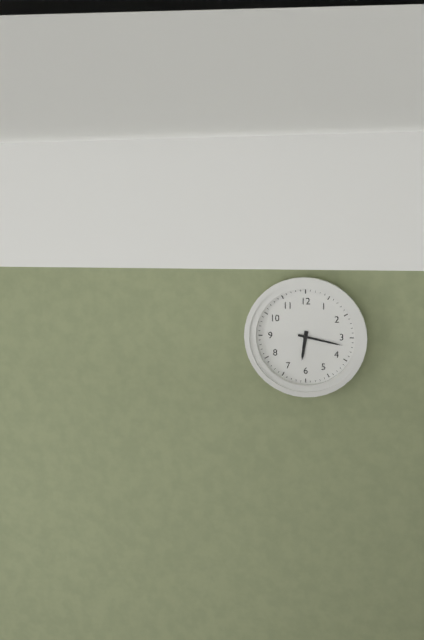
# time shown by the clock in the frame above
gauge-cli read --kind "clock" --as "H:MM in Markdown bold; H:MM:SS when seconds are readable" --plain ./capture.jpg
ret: **6:17**
